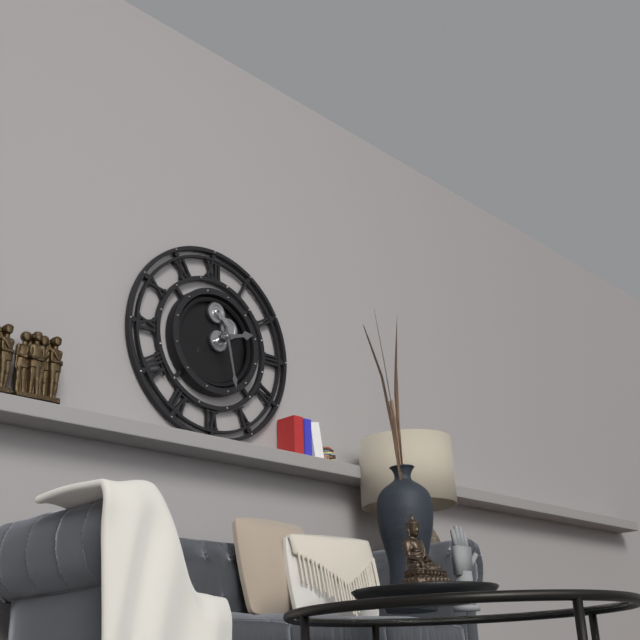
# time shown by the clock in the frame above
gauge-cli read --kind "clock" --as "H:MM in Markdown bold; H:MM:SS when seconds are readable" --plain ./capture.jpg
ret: **2:28**
